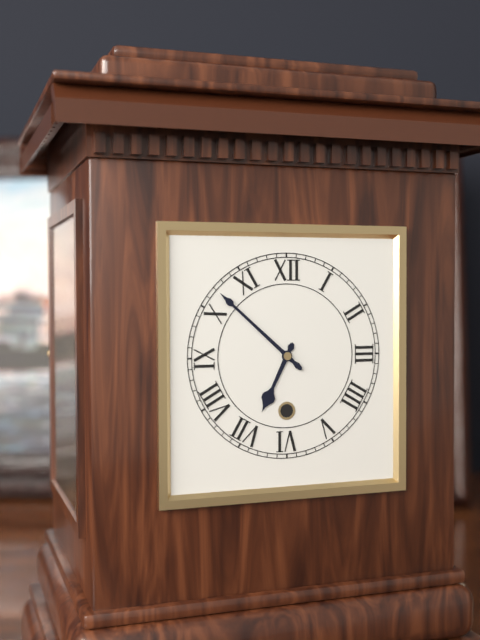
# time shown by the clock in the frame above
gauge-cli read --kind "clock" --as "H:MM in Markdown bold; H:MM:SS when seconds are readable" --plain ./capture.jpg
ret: **6:52**
